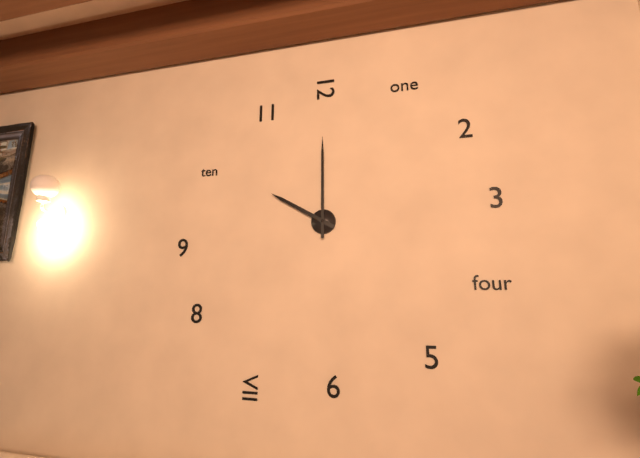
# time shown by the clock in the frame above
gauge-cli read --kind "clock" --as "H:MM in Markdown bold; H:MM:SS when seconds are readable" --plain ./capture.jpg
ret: **10:00**
